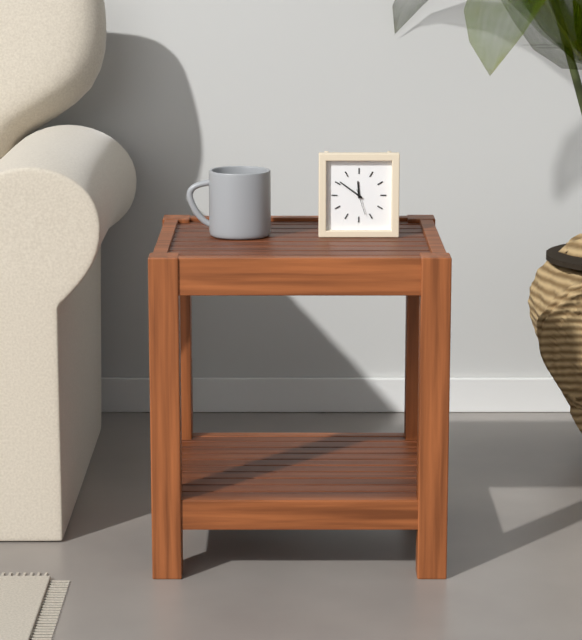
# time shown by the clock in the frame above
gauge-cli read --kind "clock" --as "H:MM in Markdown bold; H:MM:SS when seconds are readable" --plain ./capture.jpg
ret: **11:51**
